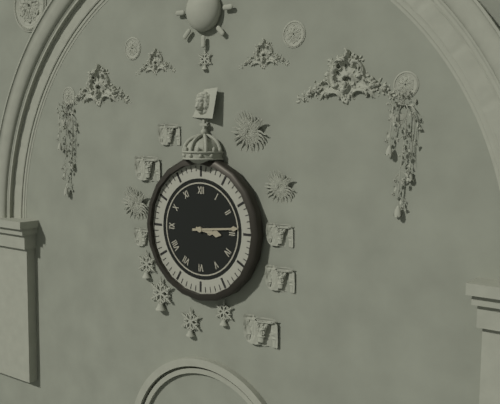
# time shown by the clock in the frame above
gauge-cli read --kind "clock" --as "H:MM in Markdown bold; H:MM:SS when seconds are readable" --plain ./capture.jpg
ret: **3:14**
